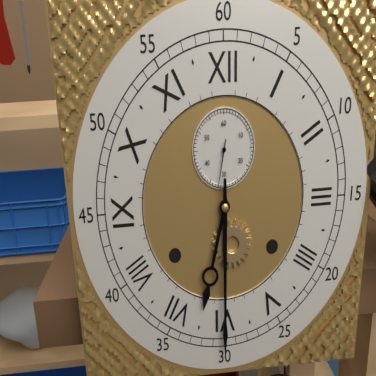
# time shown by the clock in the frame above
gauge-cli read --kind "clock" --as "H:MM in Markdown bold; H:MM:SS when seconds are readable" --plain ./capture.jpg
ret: **6:30**
